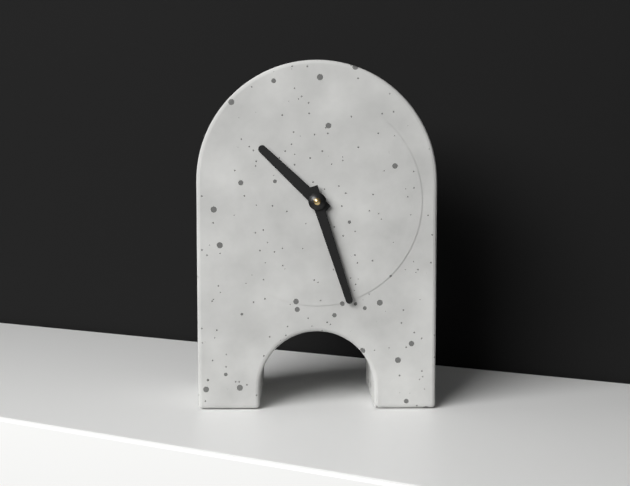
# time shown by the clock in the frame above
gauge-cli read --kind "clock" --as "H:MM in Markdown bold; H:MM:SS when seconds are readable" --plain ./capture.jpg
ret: **10:27**
